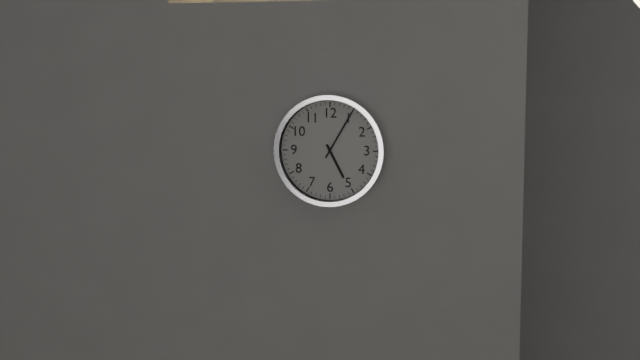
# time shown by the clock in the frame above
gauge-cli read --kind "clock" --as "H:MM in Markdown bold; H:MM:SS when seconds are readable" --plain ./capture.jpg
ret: **5:05**
